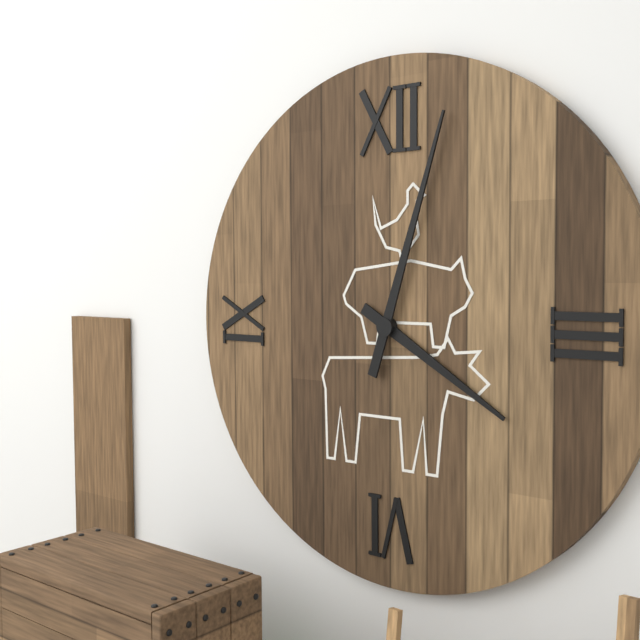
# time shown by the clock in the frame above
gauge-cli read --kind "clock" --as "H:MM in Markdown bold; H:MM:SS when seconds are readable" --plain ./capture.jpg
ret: **4:03**
